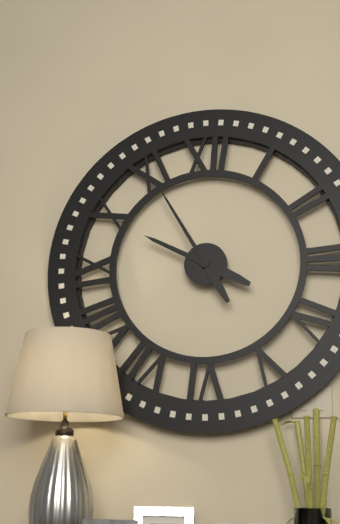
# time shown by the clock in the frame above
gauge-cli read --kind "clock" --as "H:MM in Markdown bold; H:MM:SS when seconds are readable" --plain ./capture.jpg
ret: **9:55**
